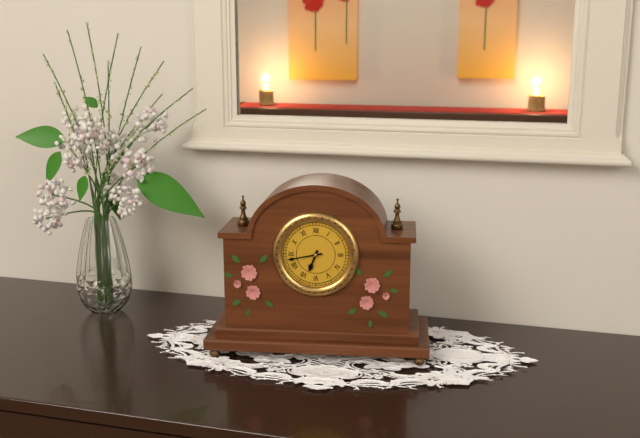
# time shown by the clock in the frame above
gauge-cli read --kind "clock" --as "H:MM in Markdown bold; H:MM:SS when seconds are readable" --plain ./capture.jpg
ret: **6:43**
